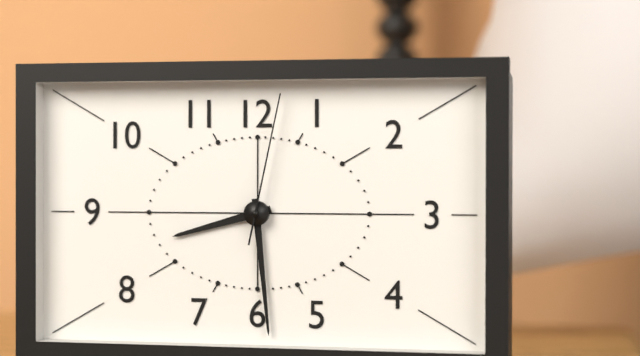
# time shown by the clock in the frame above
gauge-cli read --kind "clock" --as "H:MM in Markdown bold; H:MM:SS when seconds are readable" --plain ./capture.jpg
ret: **8:29:02**
